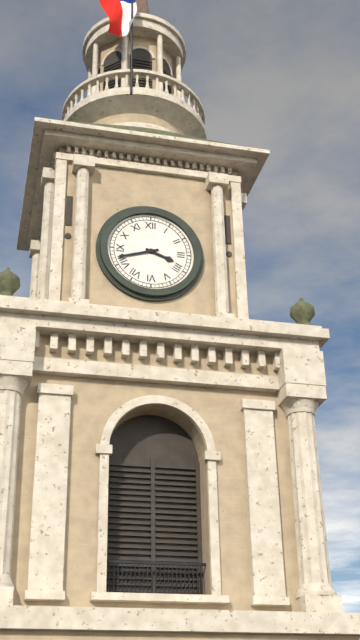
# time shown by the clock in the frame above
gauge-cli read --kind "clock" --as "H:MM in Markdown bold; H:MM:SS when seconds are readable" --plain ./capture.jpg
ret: **3:42**
